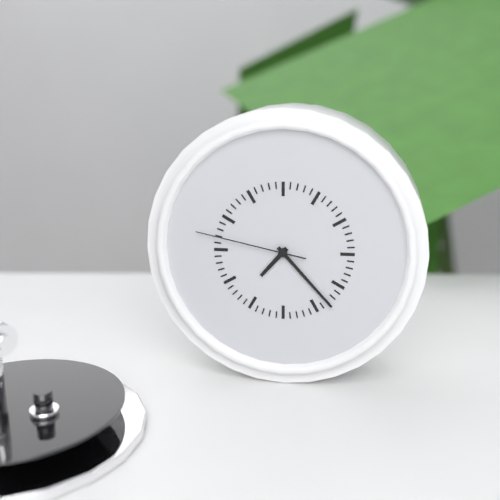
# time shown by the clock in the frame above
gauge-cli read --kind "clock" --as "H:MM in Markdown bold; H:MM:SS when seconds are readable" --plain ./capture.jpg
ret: **7:23:47**
